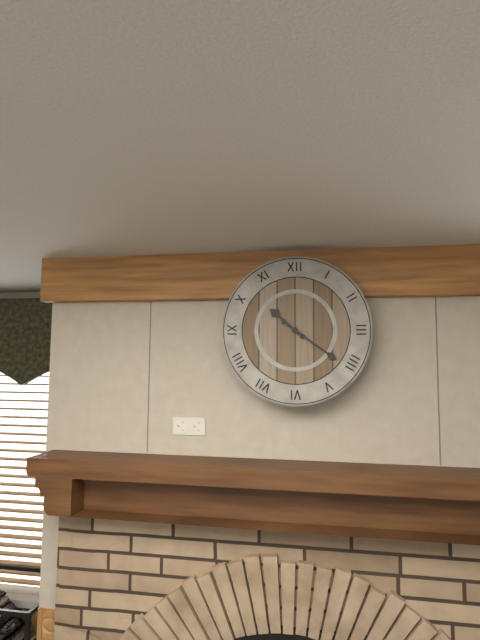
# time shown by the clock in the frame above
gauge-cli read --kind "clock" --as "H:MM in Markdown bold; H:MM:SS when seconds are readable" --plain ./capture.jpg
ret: **10:21**
